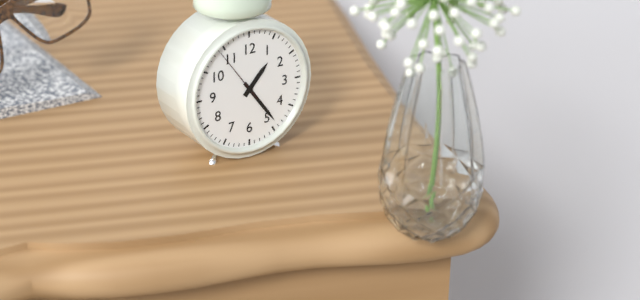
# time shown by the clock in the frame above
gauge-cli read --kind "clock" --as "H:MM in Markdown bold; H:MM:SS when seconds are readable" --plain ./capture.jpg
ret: **1:24:54**
